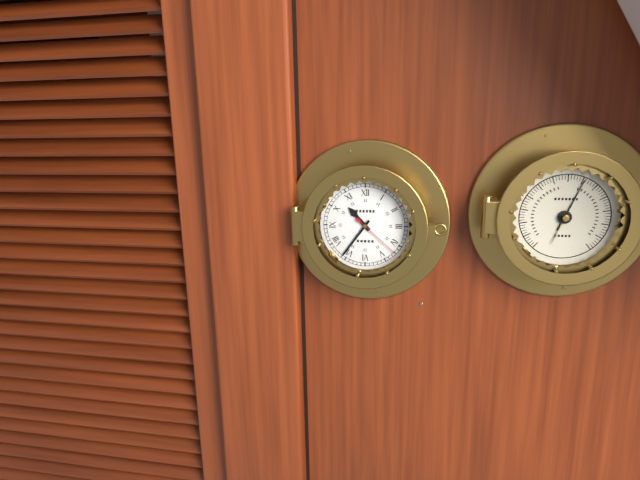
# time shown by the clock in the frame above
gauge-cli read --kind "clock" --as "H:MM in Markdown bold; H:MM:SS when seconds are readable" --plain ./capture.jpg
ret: **10:36**
